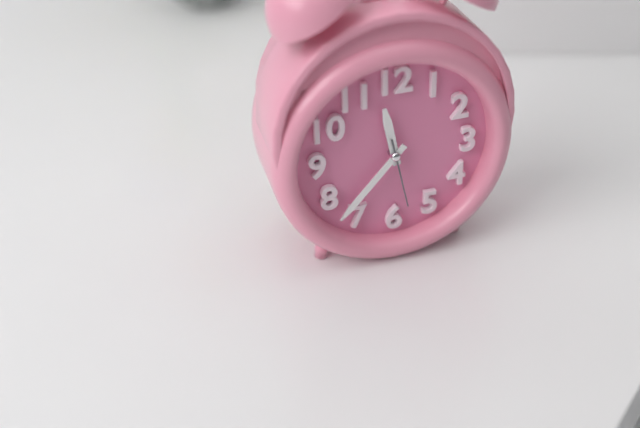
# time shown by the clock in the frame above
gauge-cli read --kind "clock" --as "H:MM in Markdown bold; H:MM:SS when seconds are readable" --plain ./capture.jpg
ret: **11:37:28**
